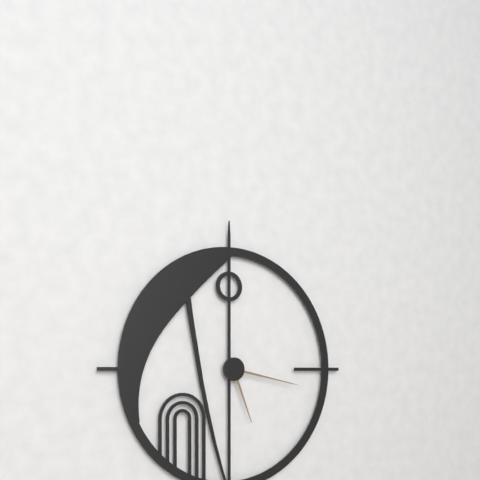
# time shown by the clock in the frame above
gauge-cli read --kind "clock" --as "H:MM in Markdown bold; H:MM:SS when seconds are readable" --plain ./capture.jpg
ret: **5:17**
